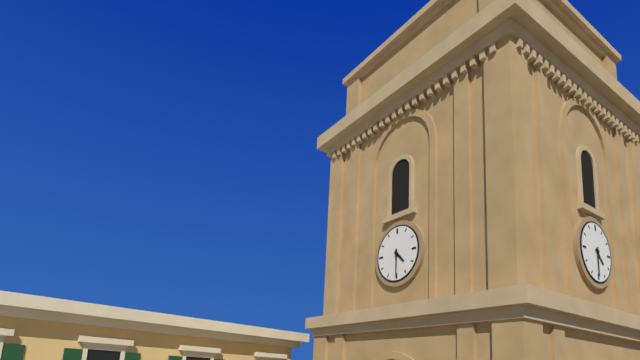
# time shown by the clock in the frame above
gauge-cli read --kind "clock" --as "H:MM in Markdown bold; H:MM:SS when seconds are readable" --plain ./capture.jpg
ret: **4:30**
